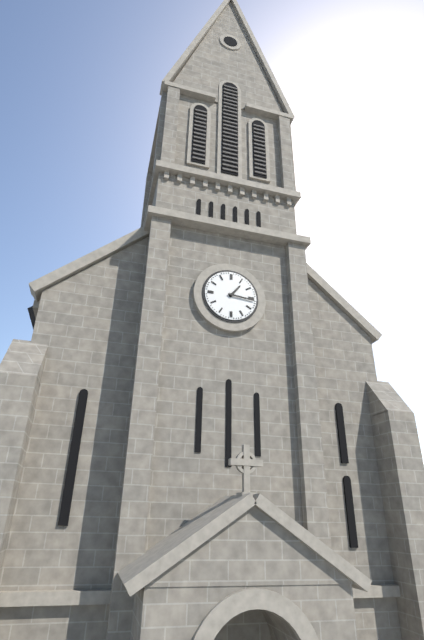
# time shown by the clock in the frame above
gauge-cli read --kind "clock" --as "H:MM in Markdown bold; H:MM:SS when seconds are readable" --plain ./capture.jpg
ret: **1:16**
